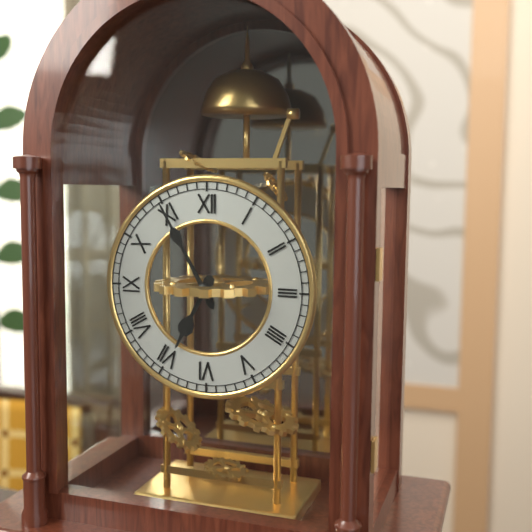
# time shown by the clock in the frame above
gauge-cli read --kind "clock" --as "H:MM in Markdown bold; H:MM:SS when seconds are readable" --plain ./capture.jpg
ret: **6:55**
